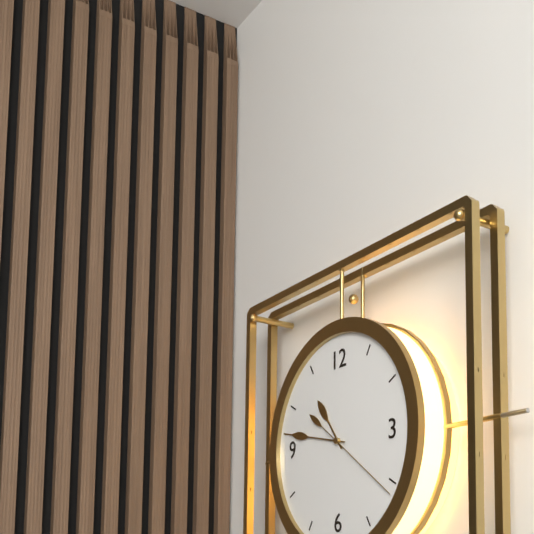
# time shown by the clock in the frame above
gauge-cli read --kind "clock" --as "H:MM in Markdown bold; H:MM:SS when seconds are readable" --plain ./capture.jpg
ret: **10:47:21**
